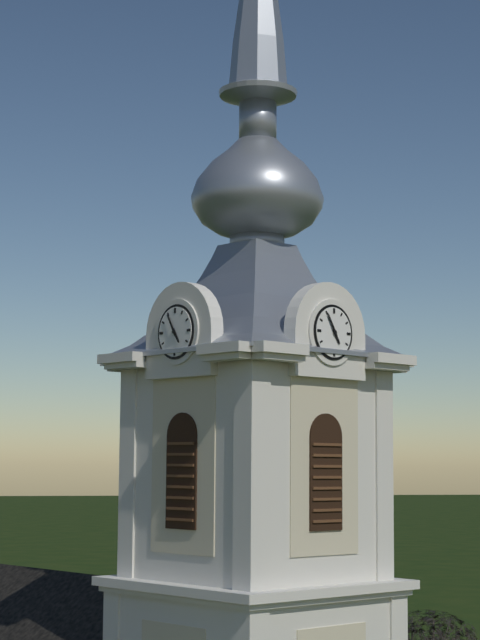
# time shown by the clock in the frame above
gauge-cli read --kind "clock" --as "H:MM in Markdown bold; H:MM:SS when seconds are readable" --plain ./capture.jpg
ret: **4:55**
